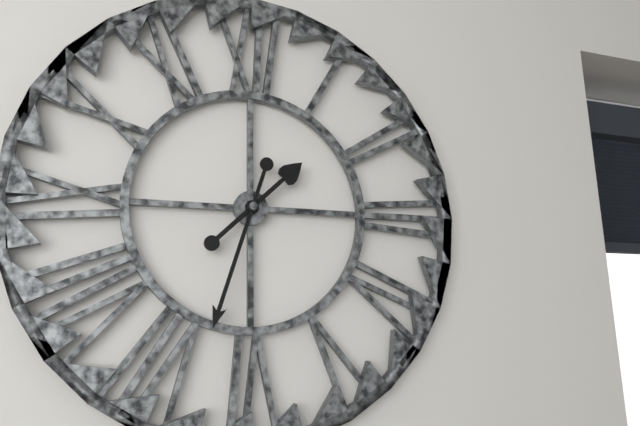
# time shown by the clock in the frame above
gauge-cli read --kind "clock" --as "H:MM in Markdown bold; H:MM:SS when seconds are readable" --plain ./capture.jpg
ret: **1:33**
